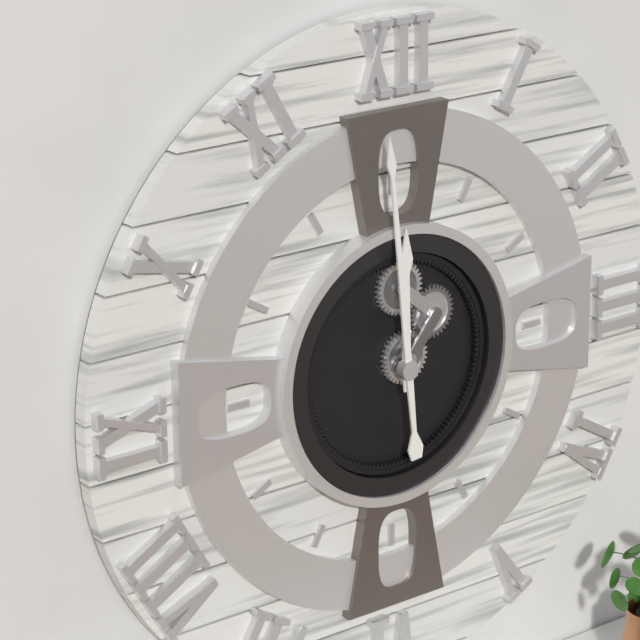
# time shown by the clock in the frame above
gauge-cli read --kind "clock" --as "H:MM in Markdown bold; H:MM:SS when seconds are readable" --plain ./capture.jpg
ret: **11:59**
